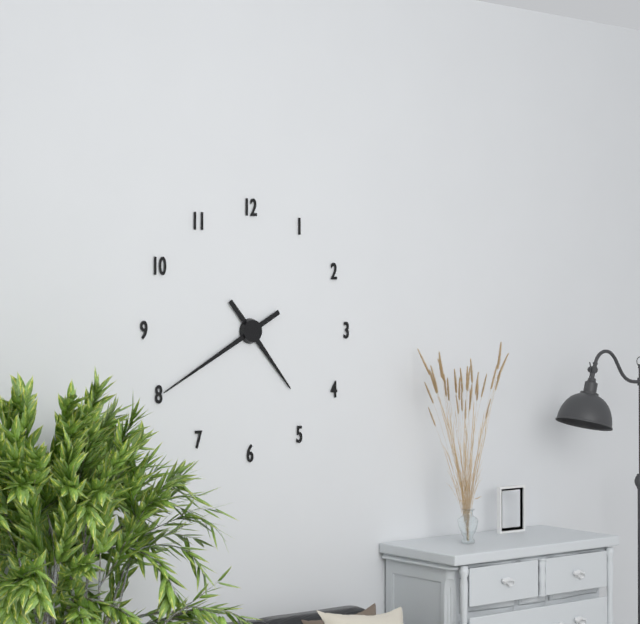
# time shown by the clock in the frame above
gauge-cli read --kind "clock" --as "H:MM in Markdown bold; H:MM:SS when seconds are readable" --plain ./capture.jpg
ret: **4:40**
